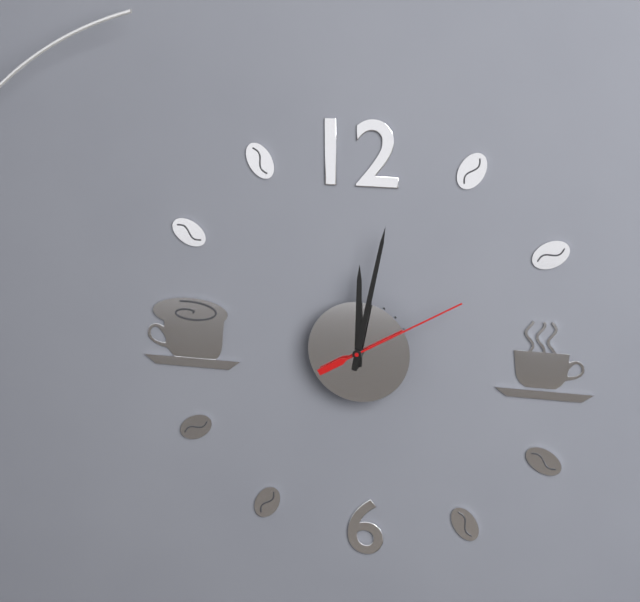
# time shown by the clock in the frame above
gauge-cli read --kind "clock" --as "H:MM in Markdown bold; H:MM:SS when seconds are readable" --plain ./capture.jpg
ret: **12:02:10**
